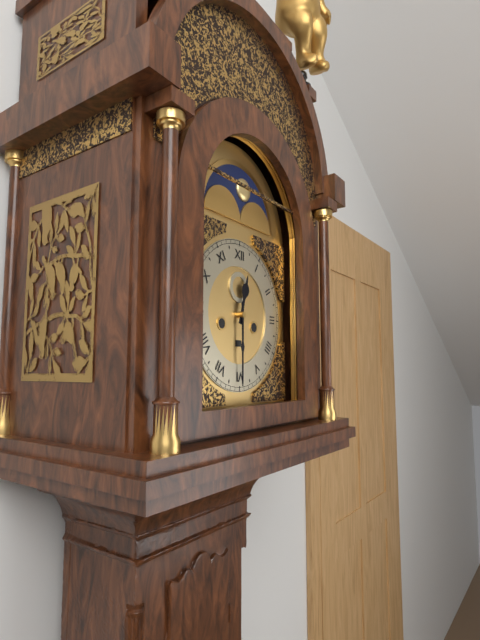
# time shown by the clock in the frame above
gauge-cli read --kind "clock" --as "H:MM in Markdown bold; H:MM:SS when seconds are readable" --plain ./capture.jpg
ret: **12:30**
